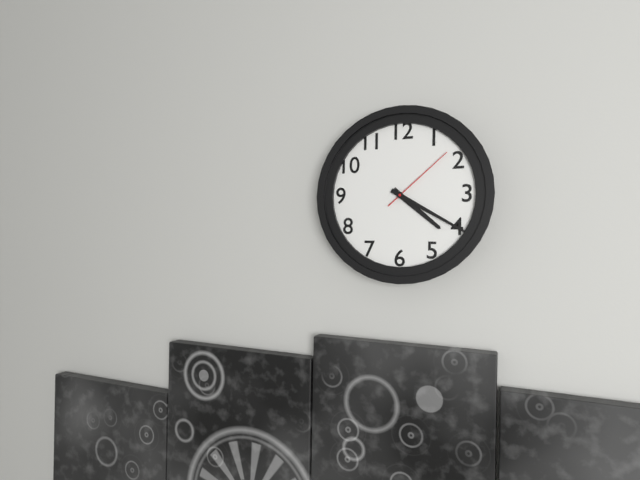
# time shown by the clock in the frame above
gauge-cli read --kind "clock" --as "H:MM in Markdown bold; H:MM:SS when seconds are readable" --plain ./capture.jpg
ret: **4:20:08**
